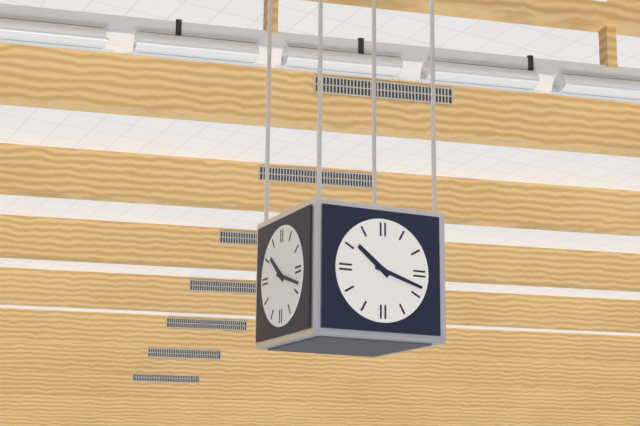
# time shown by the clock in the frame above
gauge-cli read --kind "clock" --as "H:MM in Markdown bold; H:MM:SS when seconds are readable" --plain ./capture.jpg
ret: **10:18**
